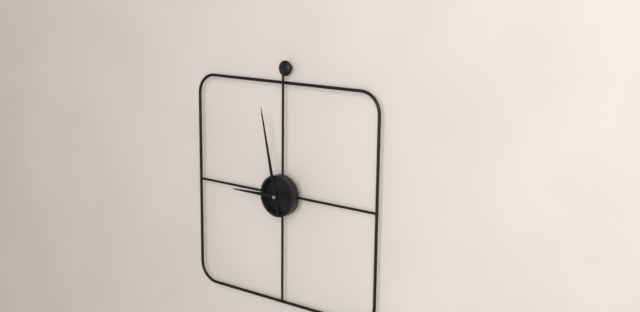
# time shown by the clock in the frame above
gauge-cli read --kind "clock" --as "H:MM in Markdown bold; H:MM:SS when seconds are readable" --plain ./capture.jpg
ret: **8:58**
